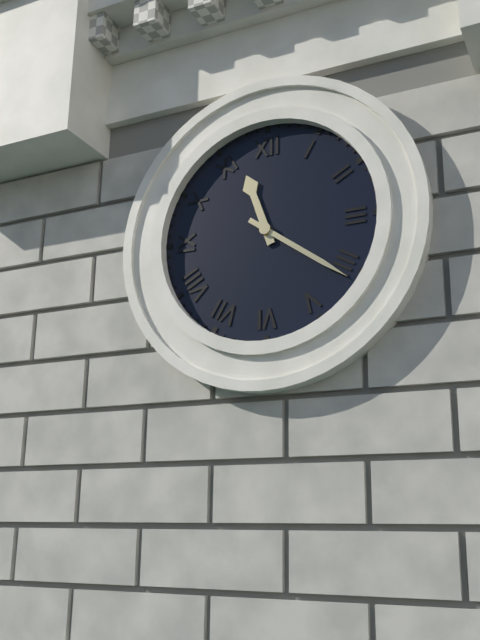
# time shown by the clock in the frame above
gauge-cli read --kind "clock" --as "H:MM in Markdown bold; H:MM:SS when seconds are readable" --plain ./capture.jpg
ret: **11:21**
